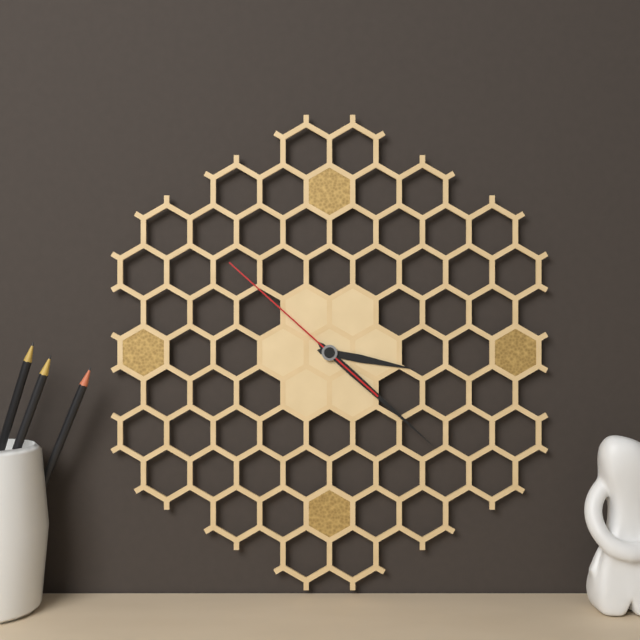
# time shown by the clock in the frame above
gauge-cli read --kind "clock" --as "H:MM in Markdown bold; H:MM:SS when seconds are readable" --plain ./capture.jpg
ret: **3:22:52**
